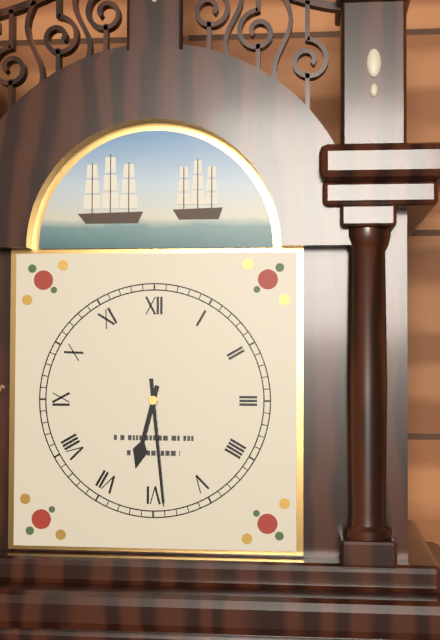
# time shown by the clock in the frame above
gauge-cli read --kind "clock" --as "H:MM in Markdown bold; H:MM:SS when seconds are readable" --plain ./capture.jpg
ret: **6:29**
